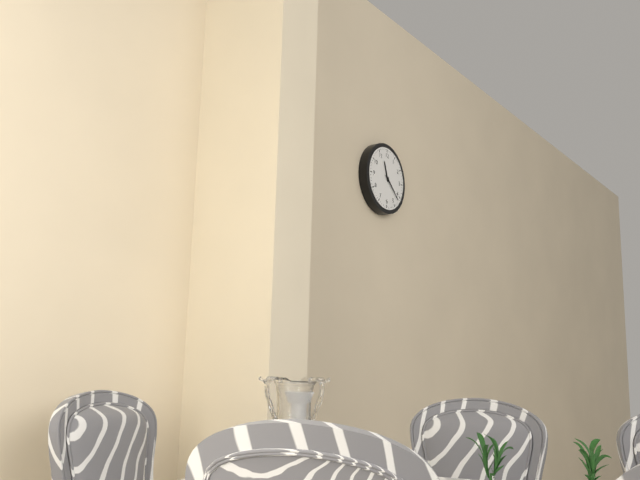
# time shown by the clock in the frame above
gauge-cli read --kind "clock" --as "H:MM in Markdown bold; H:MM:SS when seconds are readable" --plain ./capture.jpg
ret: **11:22**
